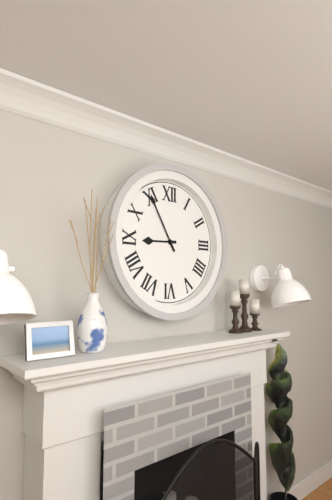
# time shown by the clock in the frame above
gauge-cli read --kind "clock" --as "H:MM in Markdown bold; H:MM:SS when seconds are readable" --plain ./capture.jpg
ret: **8:55**
